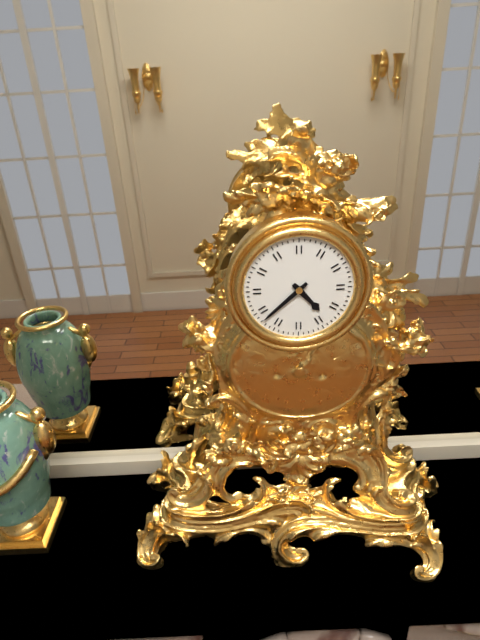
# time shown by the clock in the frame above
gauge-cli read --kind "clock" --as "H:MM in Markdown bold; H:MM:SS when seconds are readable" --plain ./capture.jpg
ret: **4:38**
